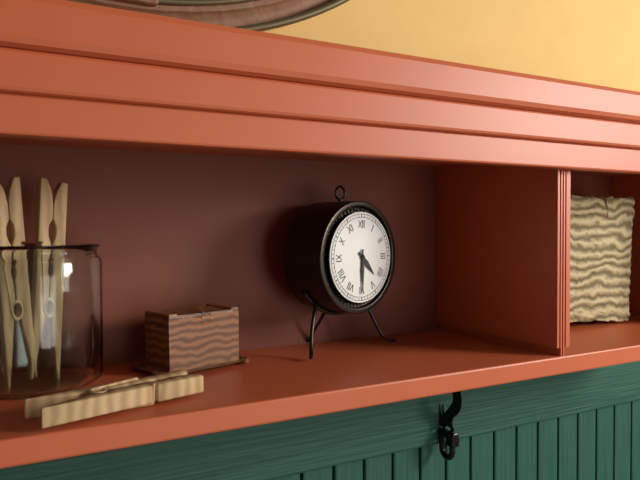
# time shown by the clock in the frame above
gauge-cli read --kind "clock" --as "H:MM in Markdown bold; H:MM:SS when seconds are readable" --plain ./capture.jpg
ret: **4:30**
